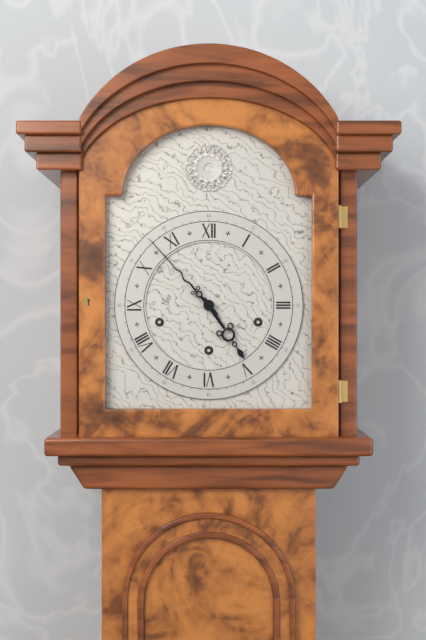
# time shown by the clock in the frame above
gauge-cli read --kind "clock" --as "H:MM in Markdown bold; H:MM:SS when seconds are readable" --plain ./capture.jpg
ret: **4:53**
